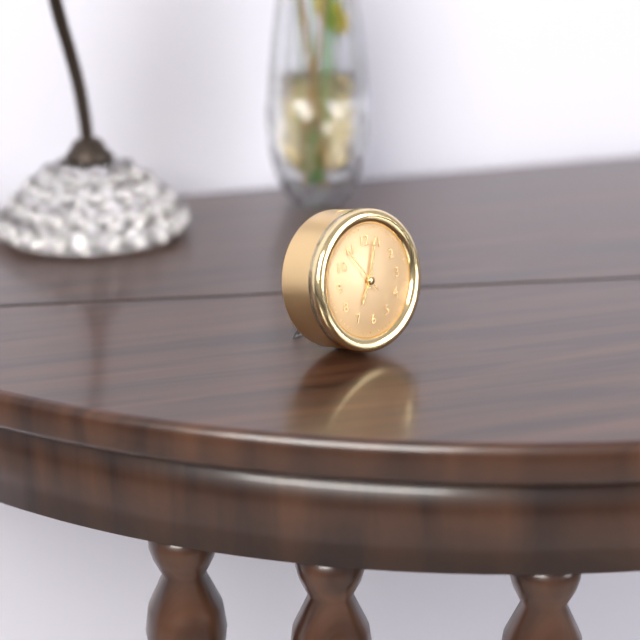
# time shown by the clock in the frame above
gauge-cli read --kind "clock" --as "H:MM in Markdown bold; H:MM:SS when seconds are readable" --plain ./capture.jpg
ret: **7:03:54**
